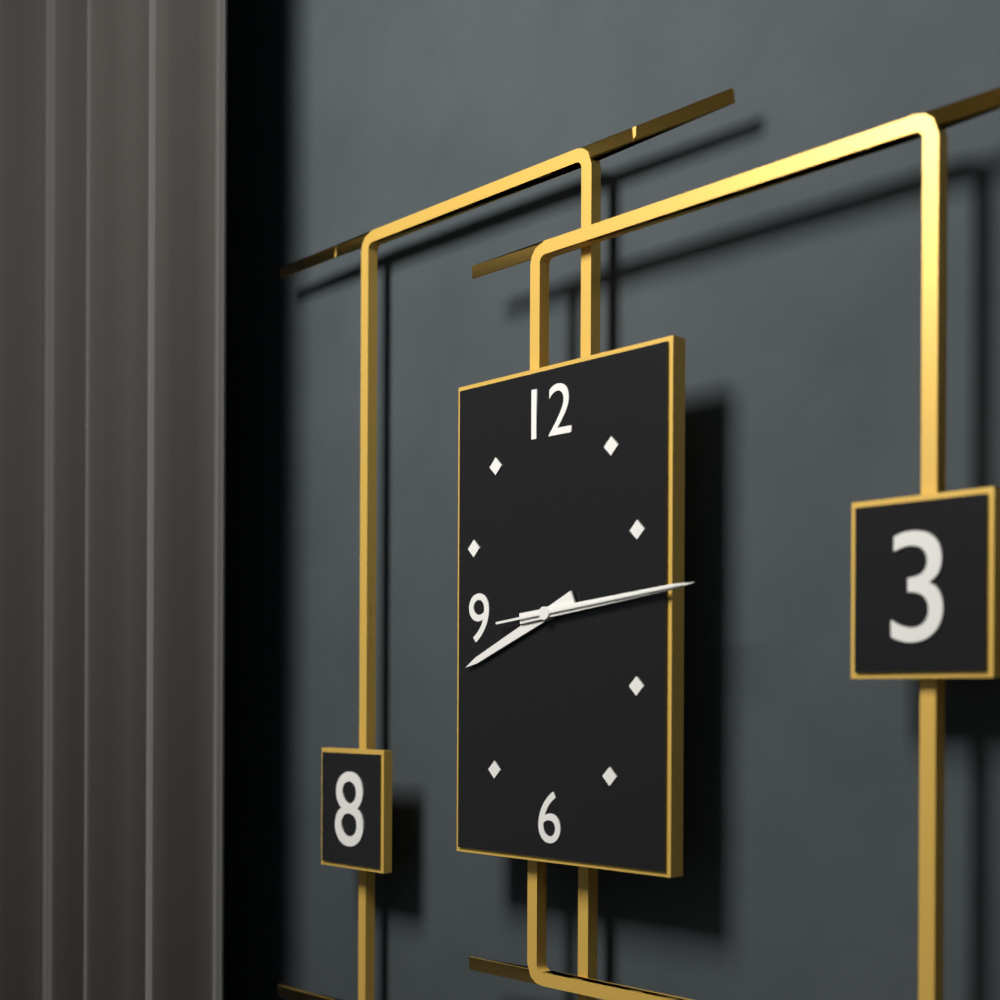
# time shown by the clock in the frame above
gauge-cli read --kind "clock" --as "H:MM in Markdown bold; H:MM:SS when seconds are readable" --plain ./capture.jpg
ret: **8:14:14**
